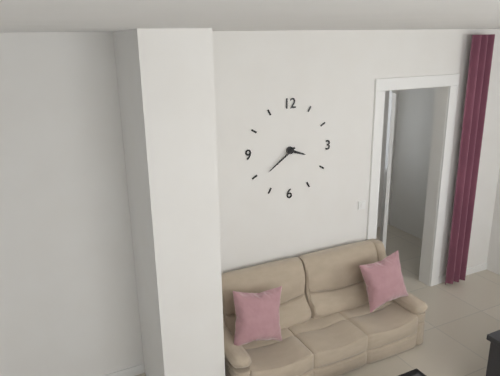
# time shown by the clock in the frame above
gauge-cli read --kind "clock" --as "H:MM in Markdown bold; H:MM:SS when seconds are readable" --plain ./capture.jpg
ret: **3:39**
